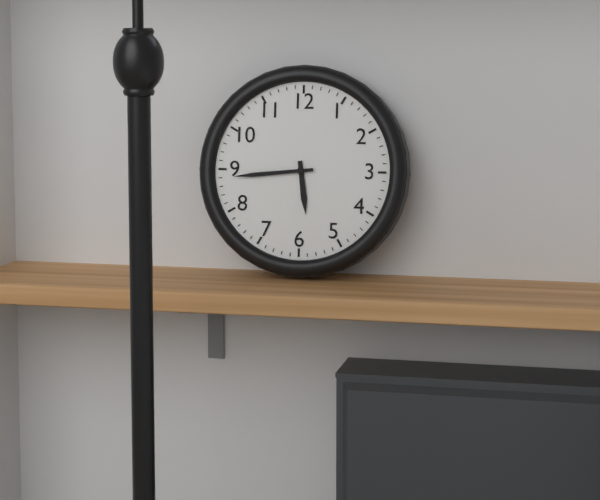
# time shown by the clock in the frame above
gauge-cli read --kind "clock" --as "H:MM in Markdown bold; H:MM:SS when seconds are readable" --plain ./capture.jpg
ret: **5:44**
